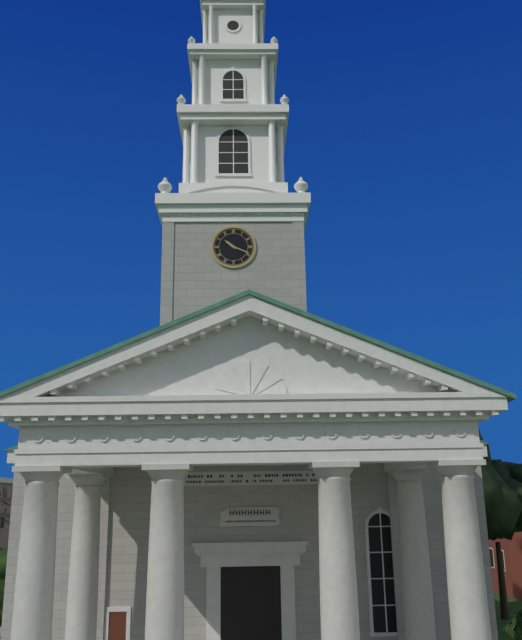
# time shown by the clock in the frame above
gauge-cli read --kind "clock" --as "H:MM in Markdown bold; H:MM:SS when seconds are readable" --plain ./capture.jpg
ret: **10:19**
